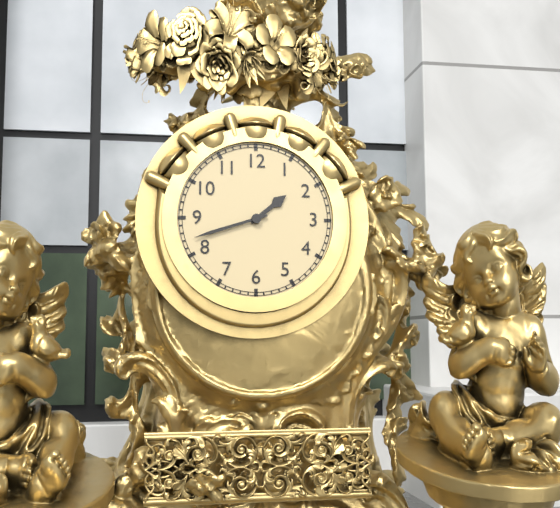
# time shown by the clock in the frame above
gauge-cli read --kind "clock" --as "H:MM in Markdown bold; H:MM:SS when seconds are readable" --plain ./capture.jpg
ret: **1:42**
